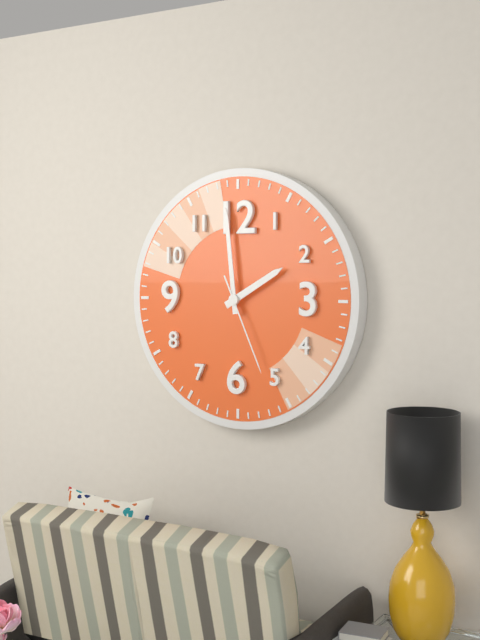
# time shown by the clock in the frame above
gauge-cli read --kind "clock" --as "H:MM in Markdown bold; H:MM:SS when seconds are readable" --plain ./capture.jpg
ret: **1:59:26**
